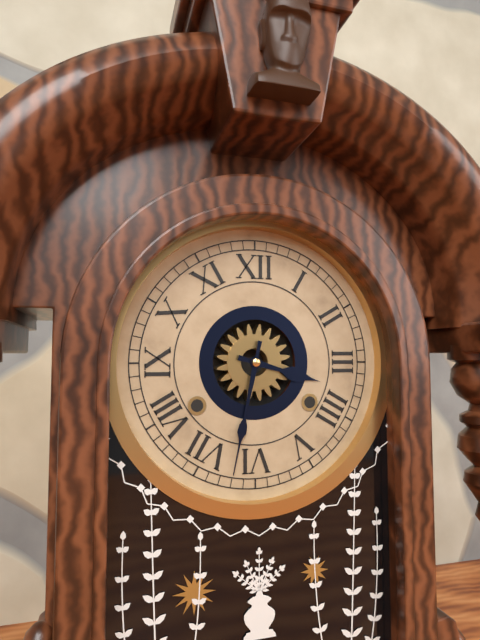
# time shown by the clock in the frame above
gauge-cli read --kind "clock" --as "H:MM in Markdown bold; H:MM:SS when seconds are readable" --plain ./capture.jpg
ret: **3:32**
